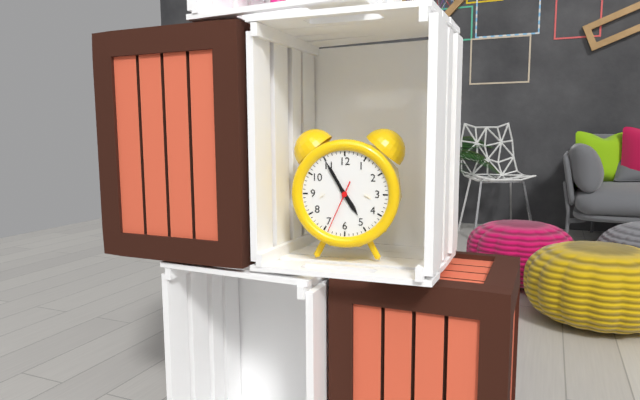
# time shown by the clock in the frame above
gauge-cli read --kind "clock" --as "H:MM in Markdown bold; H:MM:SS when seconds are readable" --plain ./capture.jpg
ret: **4:55:34**
